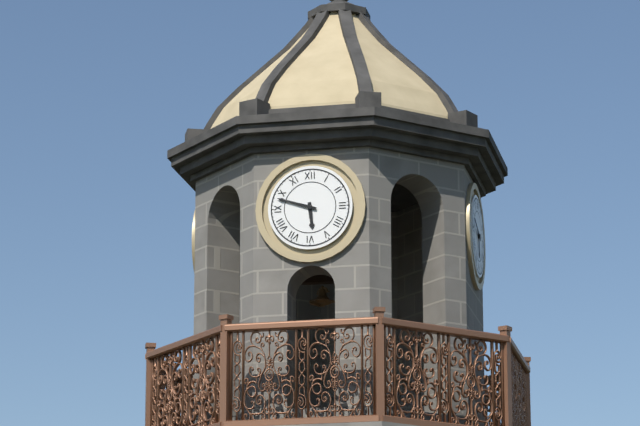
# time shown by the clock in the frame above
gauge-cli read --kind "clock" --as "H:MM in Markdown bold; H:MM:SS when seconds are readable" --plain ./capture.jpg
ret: **5:48**
